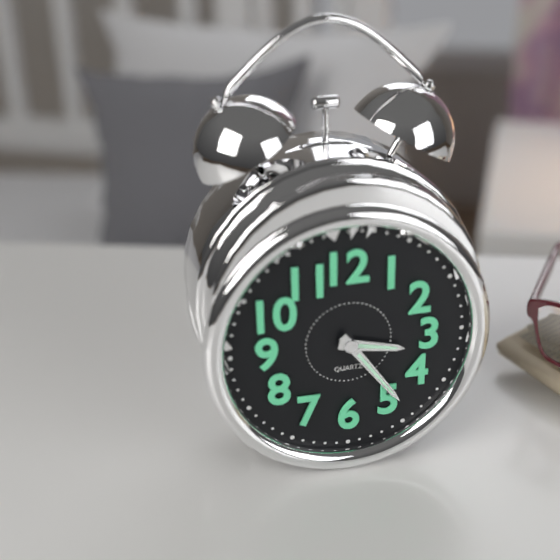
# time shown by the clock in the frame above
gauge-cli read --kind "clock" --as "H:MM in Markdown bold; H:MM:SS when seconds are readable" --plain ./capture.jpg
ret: **3:24**
